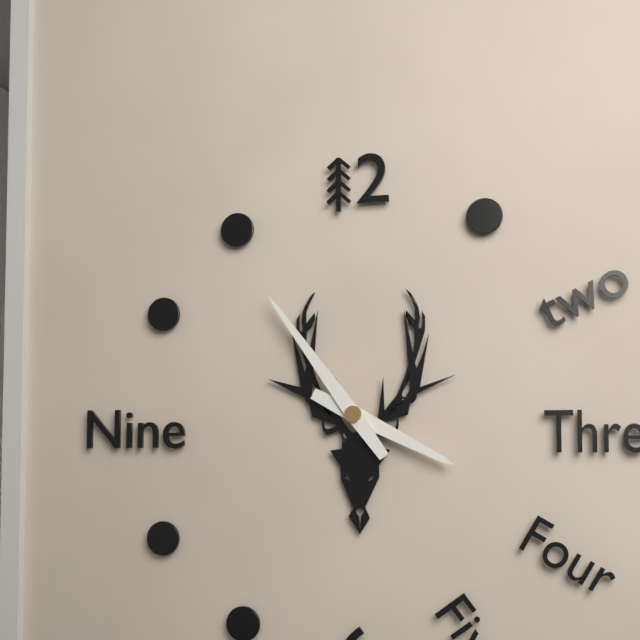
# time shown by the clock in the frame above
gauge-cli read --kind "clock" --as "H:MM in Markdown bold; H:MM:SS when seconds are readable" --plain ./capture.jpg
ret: **3:54**
